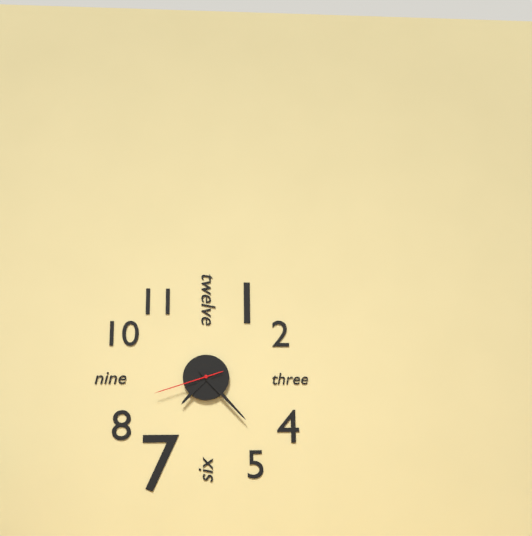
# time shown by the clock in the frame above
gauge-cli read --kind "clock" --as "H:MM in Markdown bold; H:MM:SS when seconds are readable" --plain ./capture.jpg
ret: **7:23:42**
